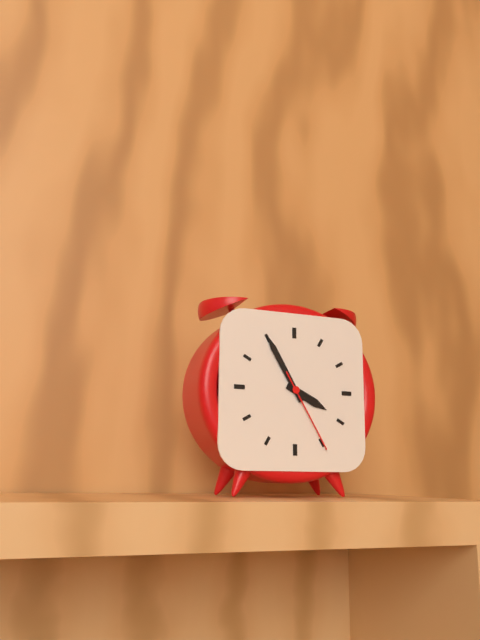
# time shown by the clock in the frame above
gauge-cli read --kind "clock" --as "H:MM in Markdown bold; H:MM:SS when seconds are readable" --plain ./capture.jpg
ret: **3:55:25**
